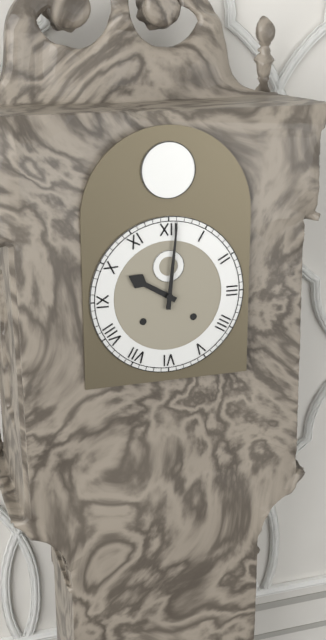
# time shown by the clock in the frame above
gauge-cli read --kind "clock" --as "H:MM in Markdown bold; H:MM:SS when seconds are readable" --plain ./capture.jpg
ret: **10:01**
